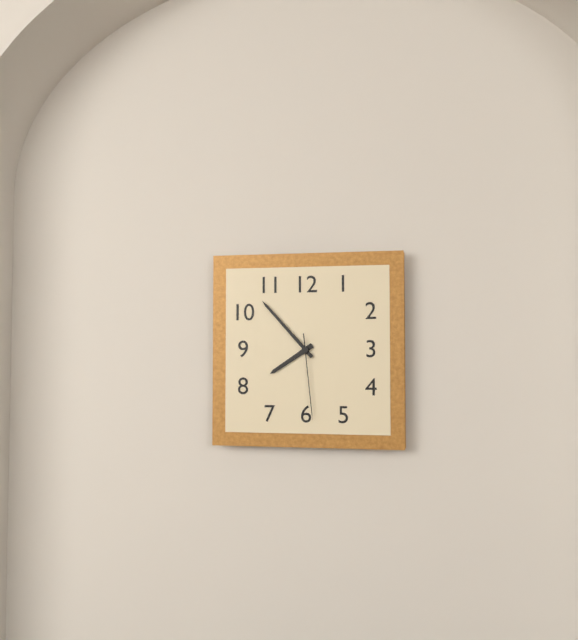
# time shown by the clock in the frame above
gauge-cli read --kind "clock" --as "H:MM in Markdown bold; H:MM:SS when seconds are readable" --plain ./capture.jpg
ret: **7:53:29**
